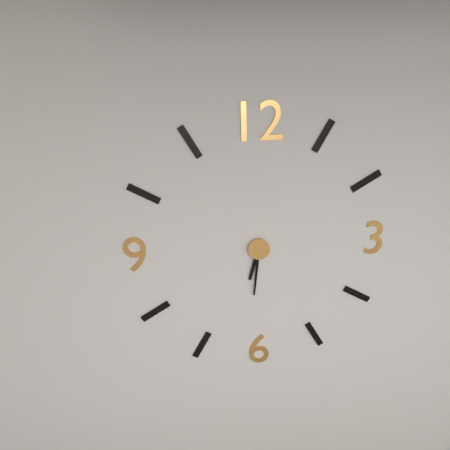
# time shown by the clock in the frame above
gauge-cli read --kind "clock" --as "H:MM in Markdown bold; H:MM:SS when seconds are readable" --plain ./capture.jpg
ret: **6:31**
